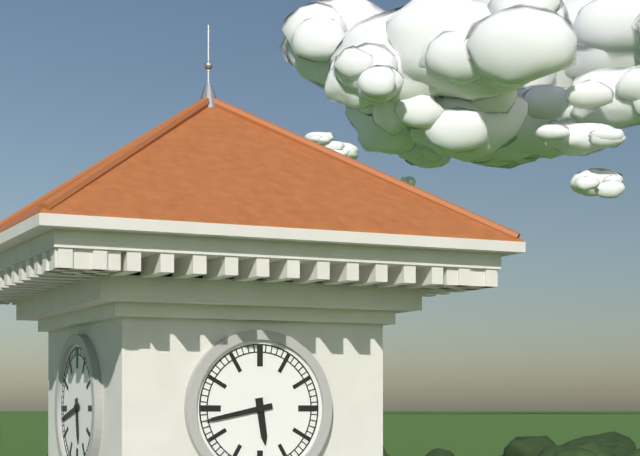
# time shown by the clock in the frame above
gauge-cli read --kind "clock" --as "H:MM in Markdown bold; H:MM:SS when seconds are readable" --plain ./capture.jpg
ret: **5:43**
